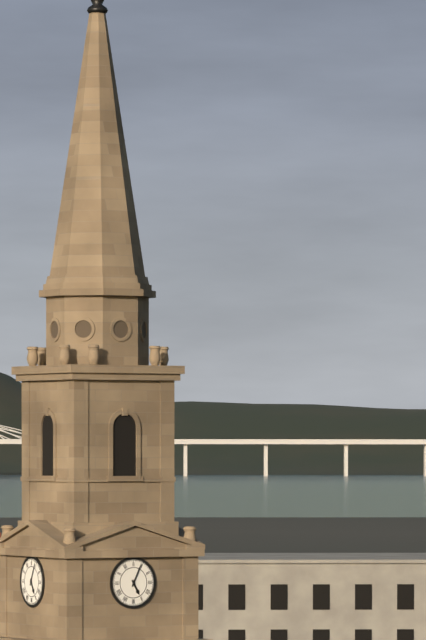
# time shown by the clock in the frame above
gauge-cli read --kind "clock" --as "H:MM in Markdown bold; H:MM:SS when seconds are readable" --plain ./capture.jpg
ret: **5:04**
